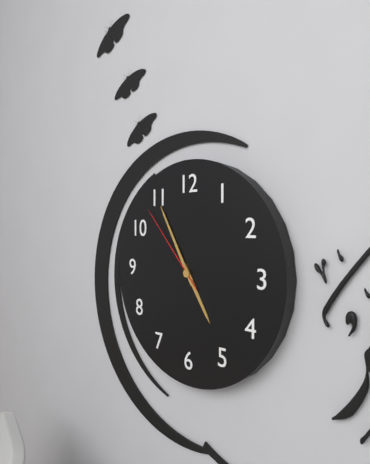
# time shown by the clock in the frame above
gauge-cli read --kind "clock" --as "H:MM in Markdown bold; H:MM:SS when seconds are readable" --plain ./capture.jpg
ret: **4:55:53**
